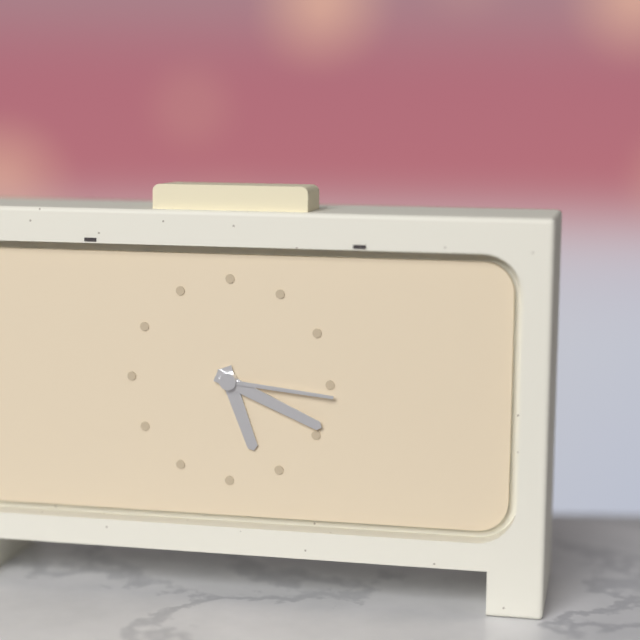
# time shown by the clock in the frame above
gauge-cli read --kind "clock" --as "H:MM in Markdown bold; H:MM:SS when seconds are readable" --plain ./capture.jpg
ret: **5:19:16**
